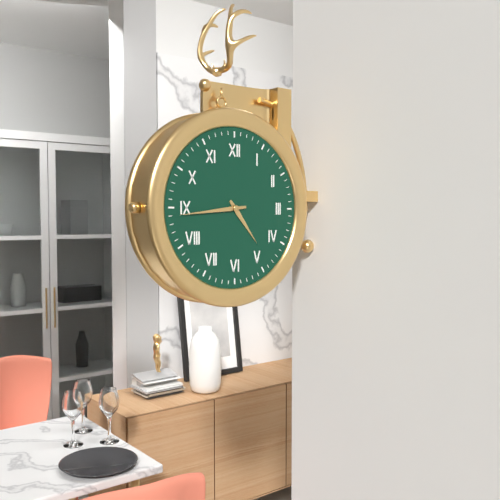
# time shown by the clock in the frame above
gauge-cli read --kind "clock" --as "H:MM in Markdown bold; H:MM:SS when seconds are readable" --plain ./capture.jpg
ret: **4:44**
